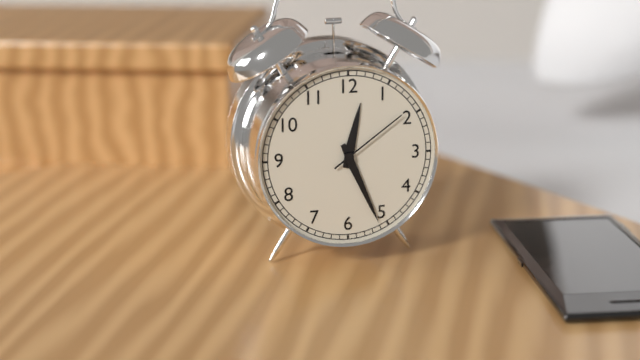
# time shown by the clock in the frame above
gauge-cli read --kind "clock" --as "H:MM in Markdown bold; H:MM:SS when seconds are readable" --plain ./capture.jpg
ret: **12:26:09**
